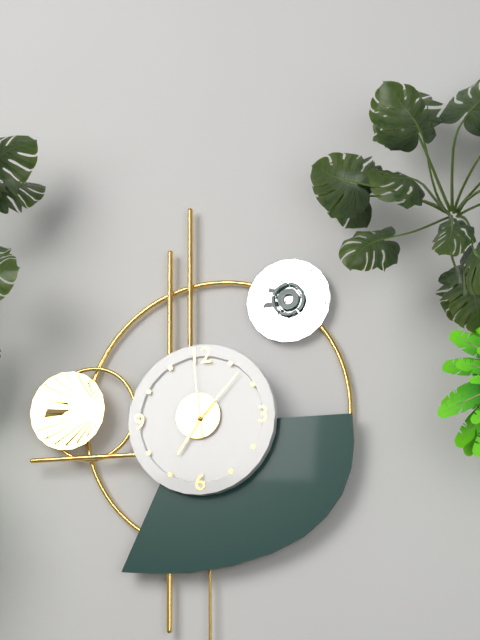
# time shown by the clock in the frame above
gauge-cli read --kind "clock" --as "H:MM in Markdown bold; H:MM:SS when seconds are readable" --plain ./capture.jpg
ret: **7:07:59**
